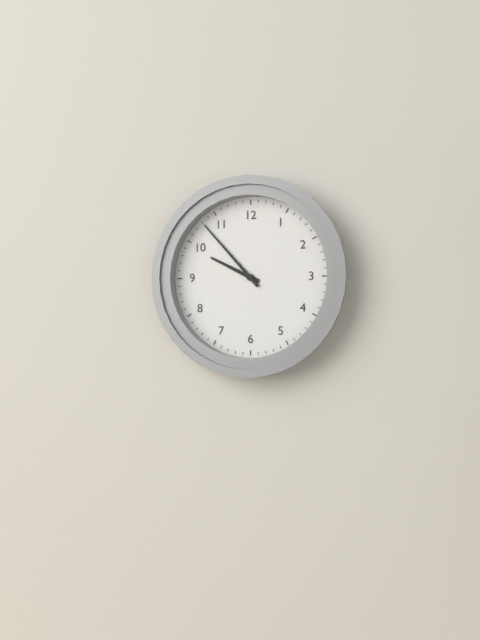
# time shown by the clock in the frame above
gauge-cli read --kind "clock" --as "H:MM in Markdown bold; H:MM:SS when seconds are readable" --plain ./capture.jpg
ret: **9:53**
